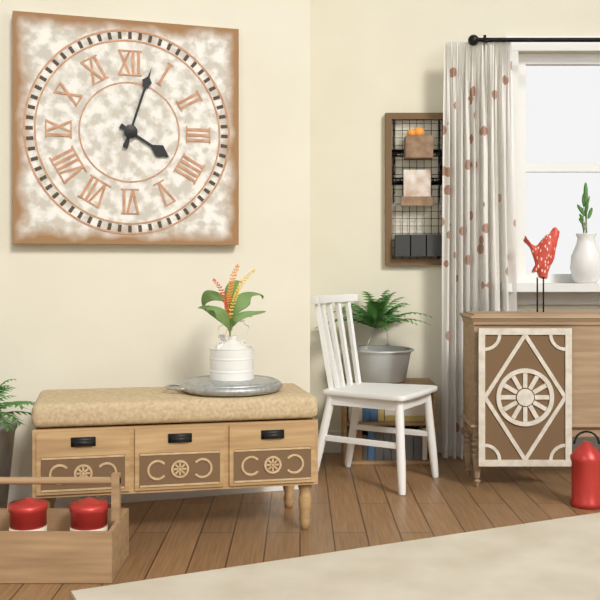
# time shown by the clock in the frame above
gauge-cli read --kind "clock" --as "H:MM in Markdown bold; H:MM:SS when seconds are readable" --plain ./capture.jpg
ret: **4:03**
